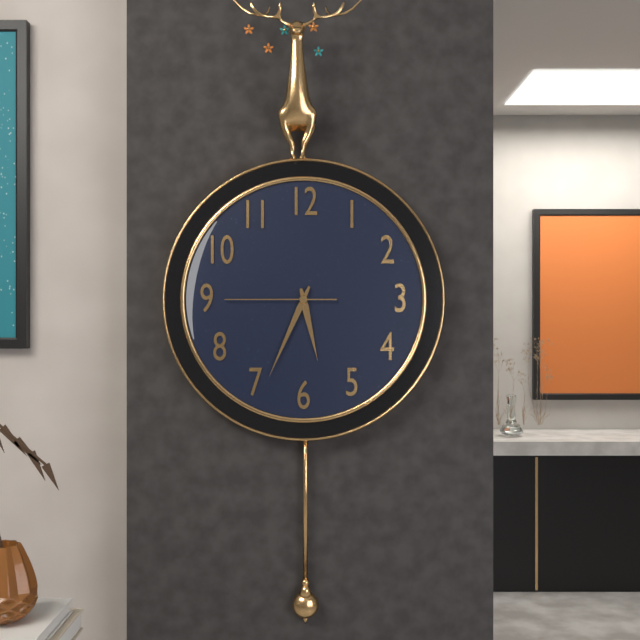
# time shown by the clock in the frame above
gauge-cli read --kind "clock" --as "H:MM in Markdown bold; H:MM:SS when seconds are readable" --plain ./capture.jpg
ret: **5:34:45**
